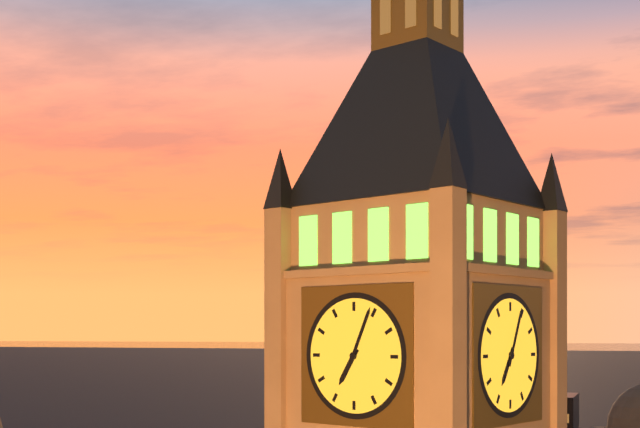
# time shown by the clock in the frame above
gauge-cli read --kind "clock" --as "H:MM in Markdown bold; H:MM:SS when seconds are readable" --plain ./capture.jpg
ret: **7:04**
